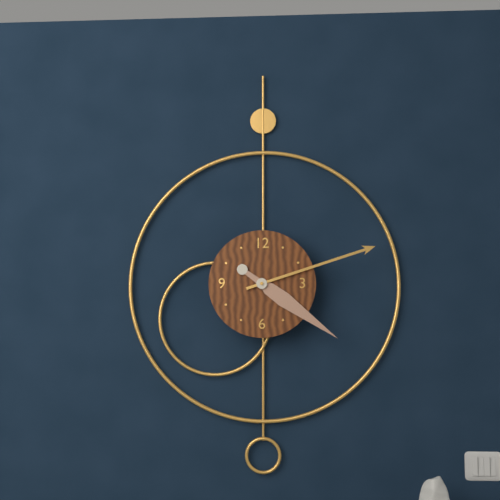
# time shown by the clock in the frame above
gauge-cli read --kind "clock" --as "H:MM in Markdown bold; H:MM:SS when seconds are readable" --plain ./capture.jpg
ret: **4:12**
